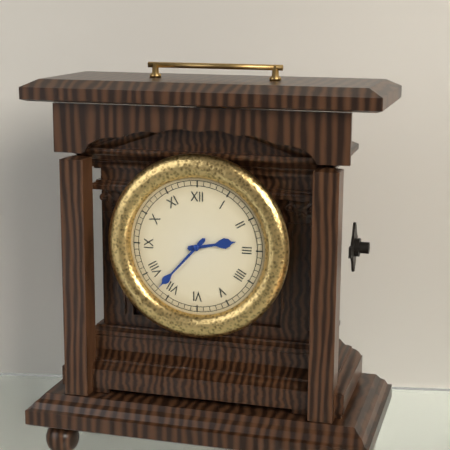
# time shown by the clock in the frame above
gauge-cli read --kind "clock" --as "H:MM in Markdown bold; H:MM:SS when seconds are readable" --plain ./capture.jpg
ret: **2:37**
